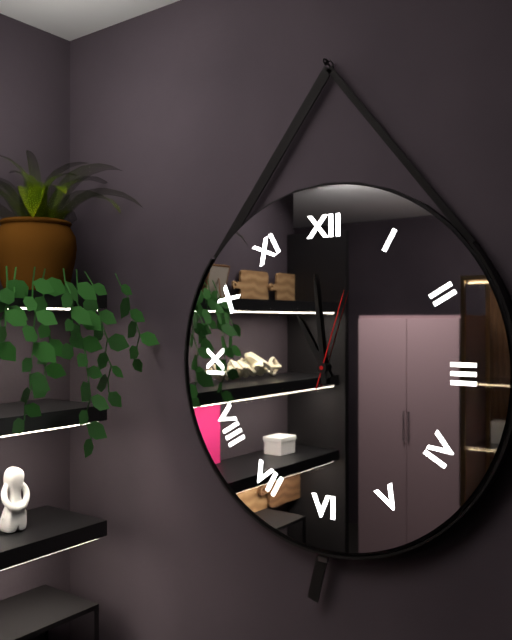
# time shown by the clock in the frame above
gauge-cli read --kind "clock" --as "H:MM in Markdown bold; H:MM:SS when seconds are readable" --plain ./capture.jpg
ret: **10:59:03**
